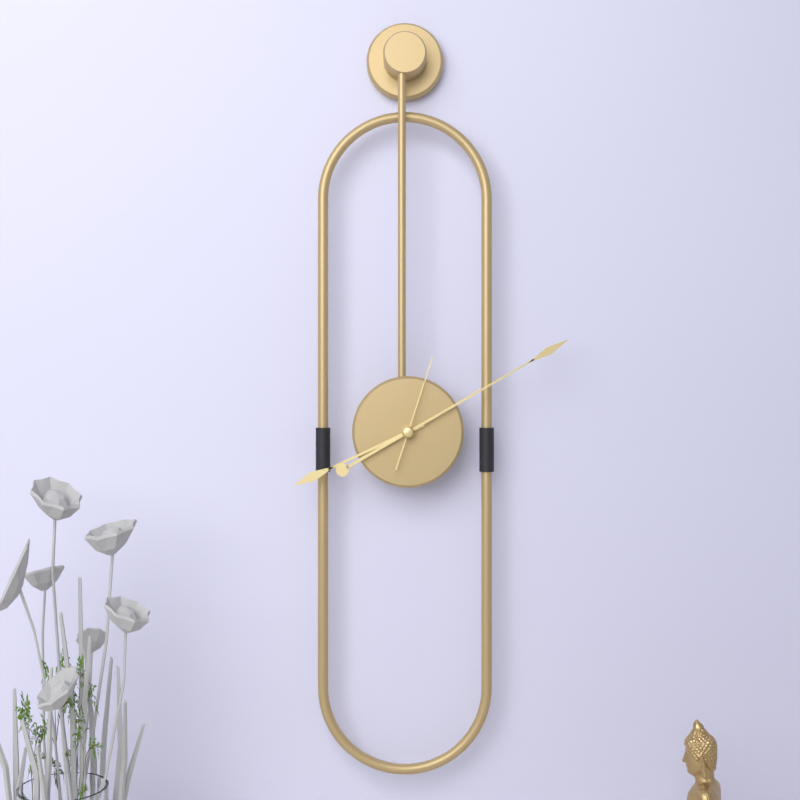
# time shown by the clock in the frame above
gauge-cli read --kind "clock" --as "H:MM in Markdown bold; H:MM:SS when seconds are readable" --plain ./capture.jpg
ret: **8:10:03**
